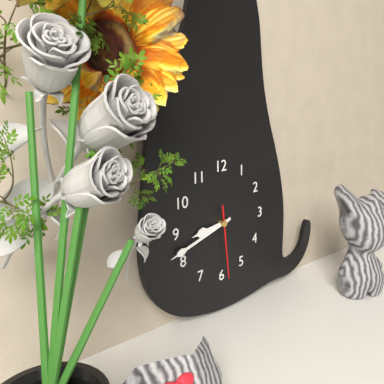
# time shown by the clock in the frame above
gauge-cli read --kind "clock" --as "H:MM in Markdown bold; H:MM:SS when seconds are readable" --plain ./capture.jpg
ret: **8:42:29**
